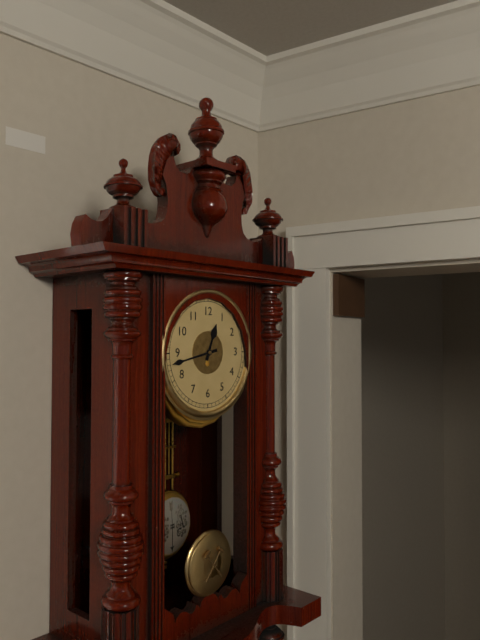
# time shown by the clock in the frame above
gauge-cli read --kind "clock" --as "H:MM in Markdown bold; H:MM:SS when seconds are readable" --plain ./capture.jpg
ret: **12:43**
